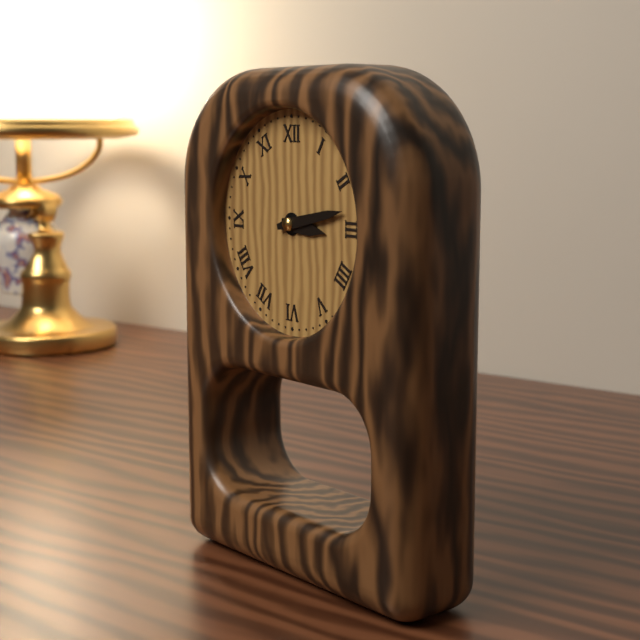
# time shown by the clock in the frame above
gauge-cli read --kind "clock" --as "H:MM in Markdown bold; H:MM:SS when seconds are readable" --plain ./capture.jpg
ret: **3:13**
